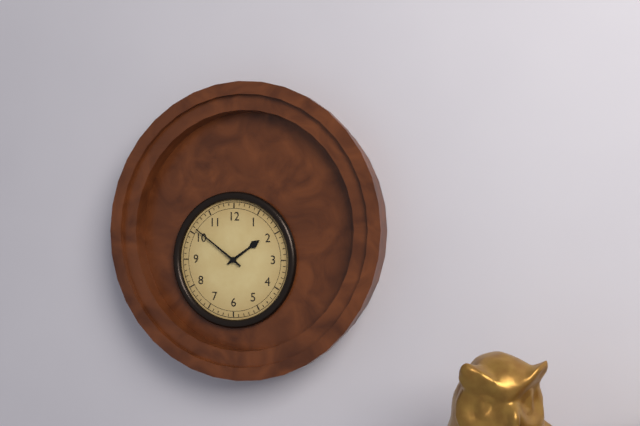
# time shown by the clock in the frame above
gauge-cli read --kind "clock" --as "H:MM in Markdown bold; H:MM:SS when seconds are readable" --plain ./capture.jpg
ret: **1:51**
